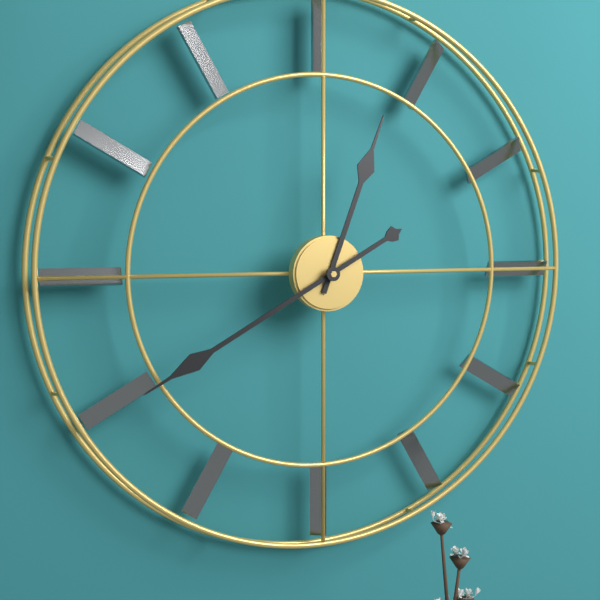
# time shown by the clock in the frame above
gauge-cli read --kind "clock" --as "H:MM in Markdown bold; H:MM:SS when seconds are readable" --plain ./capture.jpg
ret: **12:40**
